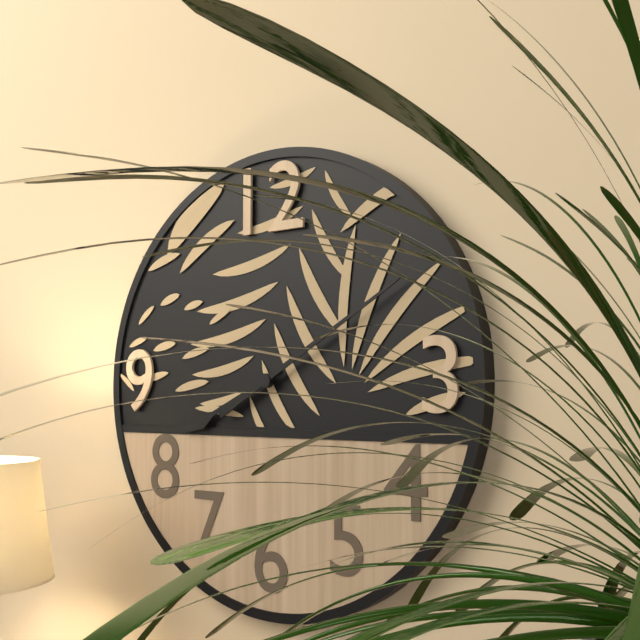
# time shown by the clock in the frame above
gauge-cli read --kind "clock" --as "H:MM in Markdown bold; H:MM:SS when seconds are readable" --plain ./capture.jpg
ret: **8:10**
